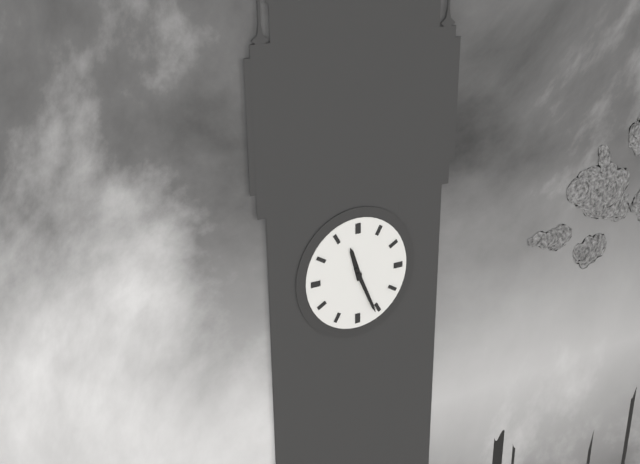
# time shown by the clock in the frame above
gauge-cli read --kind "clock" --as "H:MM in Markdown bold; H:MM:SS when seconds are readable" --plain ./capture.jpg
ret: **11:26**
